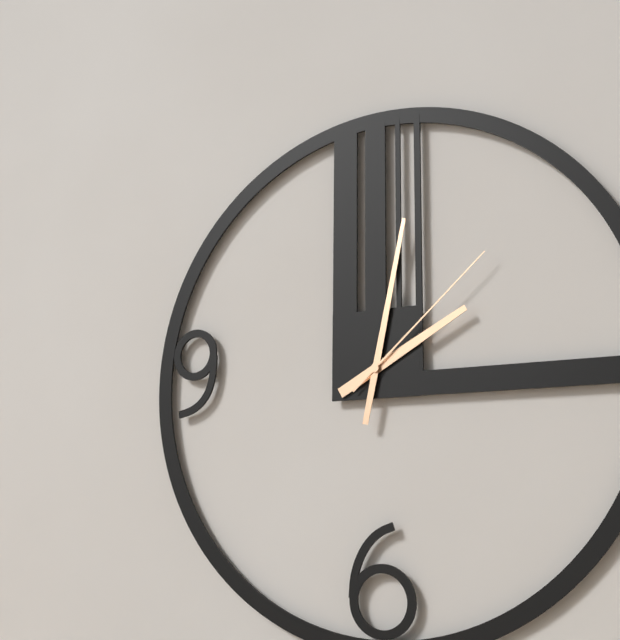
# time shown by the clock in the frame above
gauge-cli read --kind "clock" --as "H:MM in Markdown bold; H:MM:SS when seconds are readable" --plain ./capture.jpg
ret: **2:02:08**
